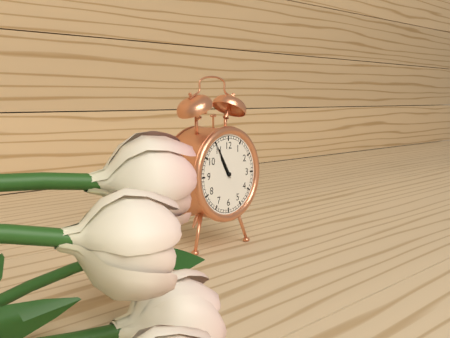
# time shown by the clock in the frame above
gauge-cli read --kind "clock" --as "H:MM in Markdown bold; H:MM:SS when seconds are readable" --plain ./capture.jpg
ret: **10:55**
